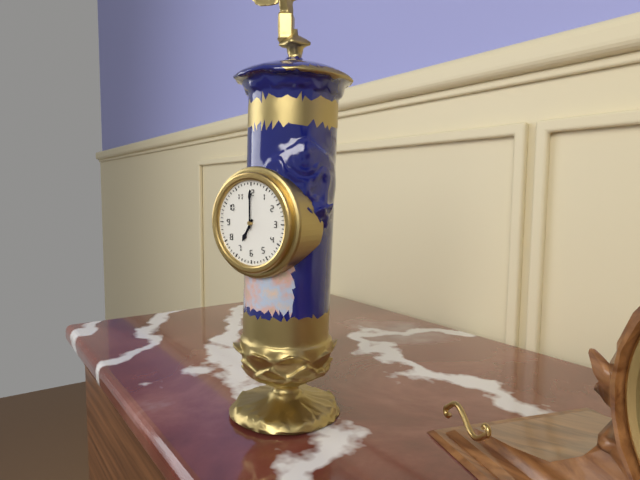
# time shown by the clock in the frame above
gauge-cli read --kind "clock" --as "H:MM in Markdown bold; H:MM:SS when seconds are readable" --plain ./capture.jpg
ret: **7:00**
